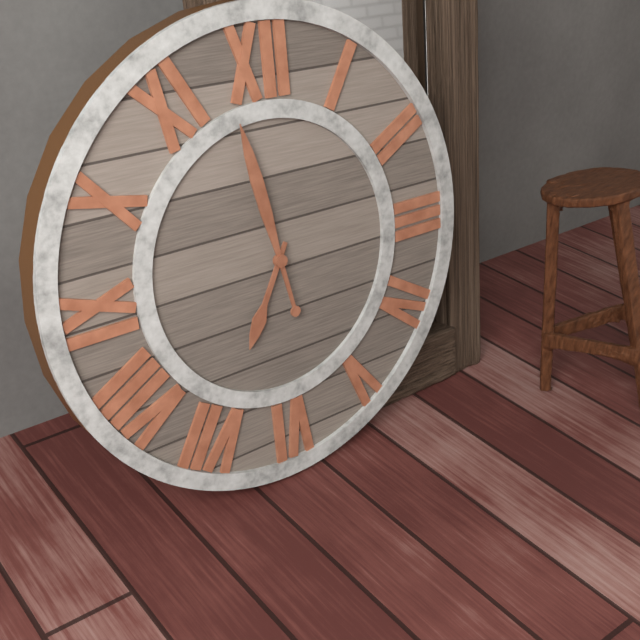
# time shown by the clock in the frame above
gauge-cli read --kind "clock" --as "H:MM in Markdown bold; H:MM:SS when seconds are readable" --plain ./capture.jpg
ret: **6:58**
